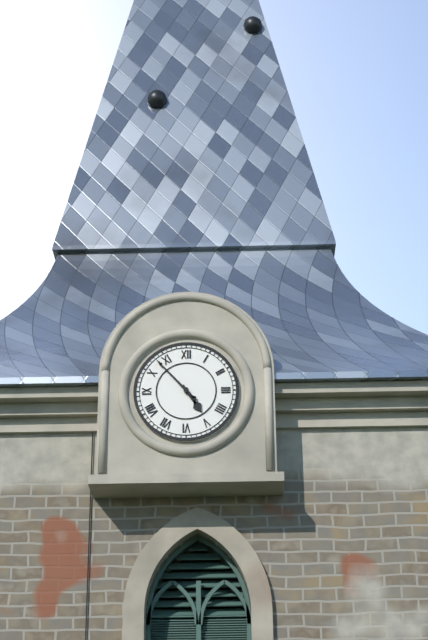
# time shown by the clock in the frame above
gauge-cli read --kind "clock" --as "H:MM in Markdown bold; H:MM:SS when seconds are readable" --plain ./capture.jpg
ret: **4:53**
